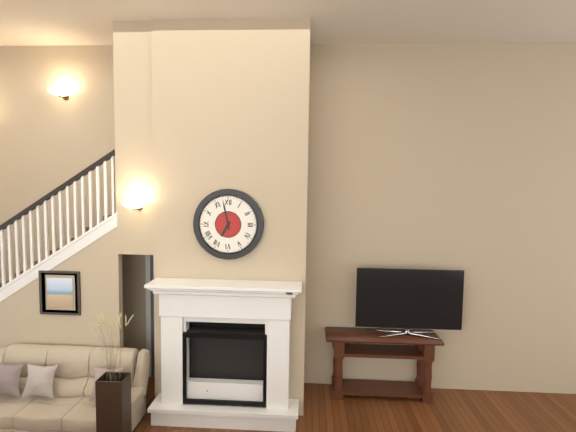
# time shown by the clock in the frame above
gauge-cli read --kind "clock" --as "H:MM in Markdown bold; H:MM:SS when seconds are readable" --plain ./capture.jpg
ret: **6:58**
